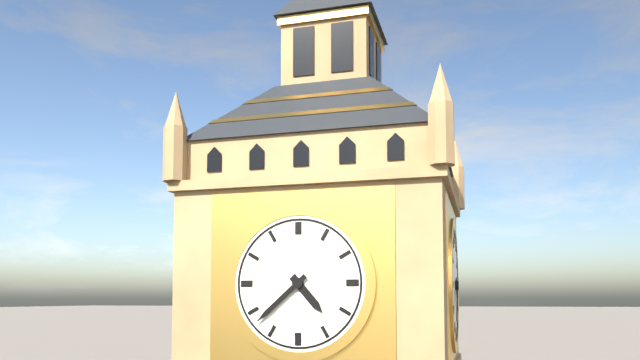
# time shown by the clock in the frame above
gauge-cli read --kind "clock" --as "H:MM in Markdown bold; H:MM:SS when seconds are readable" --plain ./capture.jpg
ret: **4:38**
